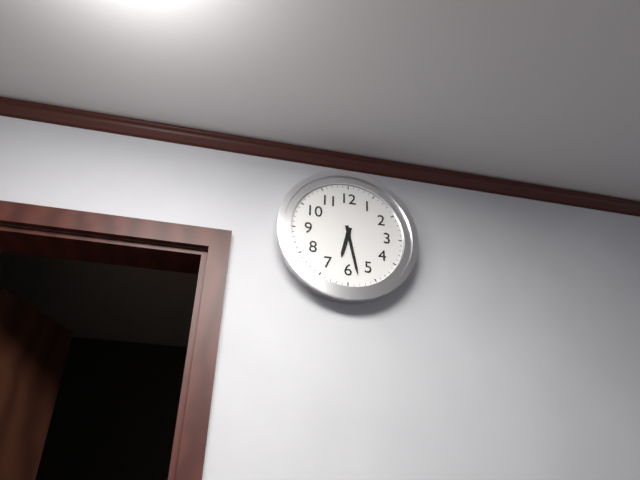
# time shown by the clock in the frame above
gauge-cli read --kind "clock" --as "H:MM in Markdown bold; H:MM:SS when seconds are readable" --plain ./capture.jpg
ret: **6:28**
